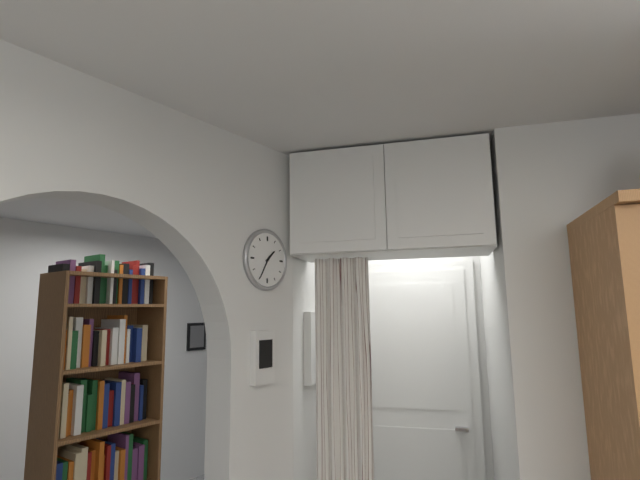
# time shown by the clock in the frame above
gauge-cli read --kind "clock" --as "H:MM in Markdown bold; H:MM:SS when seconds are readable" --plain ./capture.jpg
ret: **1:35**
